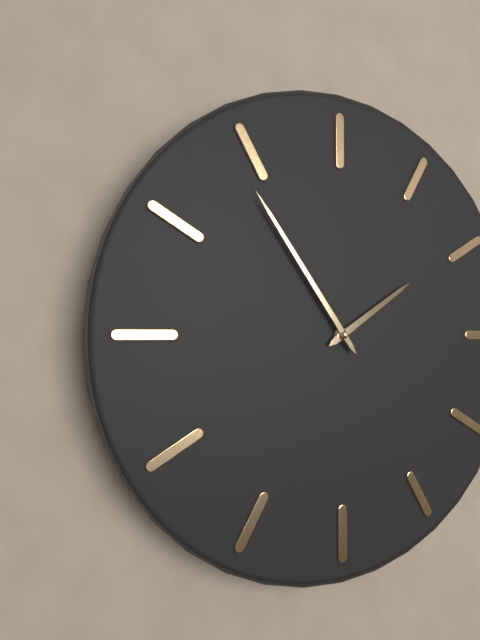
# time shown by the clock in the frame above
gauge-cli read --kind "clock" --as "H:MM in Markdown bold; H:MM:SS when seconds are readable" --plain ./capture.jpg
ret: **1:54**
